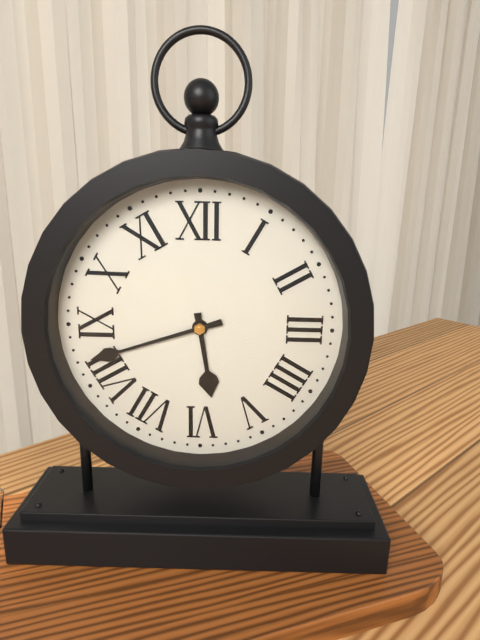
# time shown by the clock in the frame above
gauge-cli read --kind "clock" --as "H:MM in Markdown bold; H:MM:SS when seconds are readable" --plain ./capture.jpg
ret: **5:42**
